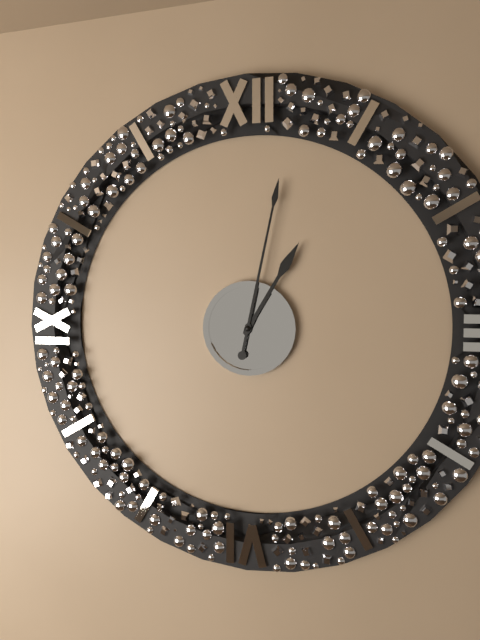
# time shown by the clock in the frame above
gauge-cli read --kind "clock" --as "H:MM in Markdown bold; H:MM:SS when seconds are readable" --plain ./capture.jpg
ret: **1:02**
